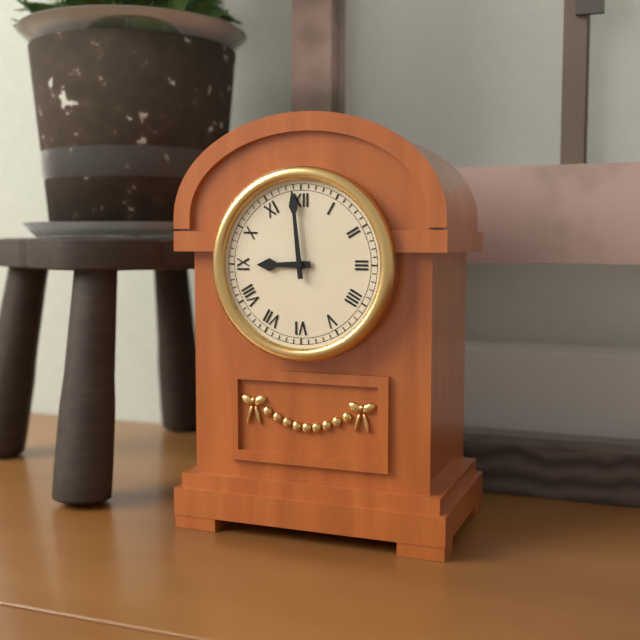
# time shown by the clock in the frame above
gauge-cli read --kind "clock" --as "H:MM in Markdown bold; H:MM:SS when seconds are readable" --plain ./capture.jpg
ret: **8:59**
